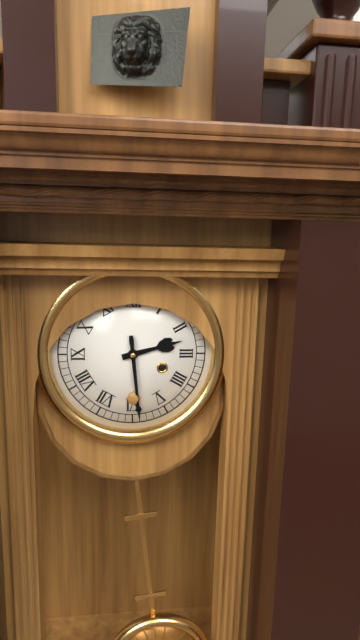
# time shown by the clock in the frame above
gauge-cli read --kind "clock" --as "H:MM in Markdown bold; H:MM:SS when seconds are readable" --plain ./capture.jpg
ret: **2:29**
